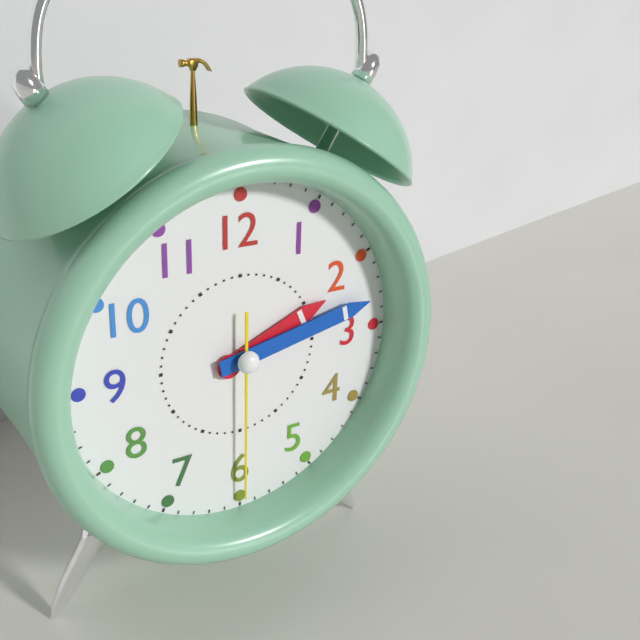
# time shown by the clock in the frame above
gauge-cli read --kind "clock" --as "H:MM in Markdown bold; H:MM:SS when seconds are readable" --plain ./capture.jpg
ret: **2:13:30**
